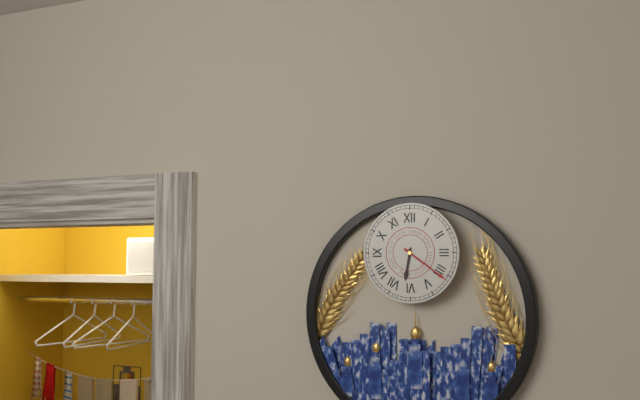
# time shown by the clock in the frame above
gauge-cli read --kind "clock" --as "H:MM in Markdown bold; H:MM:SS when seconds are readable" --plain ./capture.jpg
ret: **6:21**
